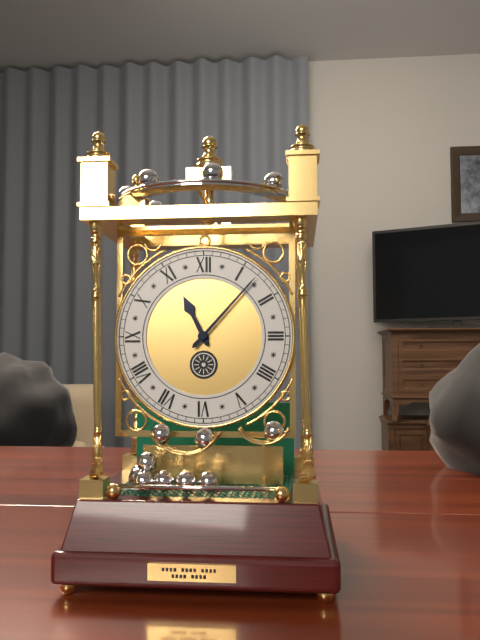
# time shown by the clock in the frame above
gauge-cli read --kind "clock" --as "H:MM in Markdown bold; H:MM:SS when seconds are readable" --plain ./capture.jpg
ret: **11:07**
